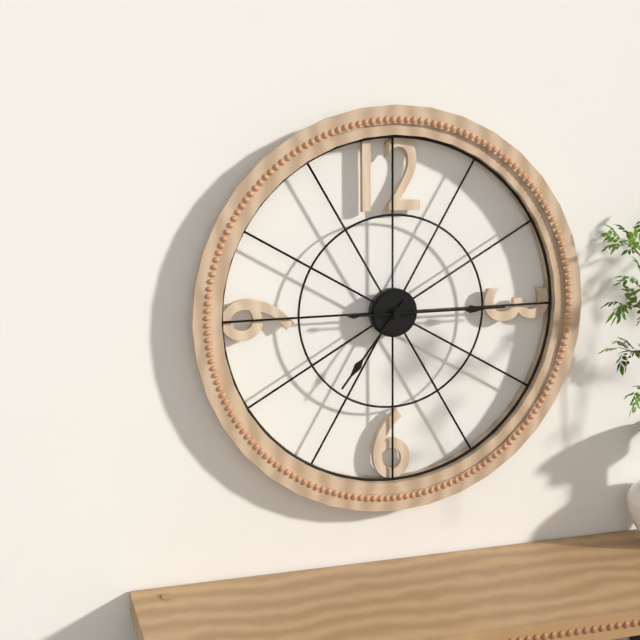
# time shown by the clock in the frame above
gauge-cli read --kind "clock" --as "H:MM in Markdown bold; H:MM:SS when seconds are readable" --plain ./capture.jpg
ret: **7:15**
